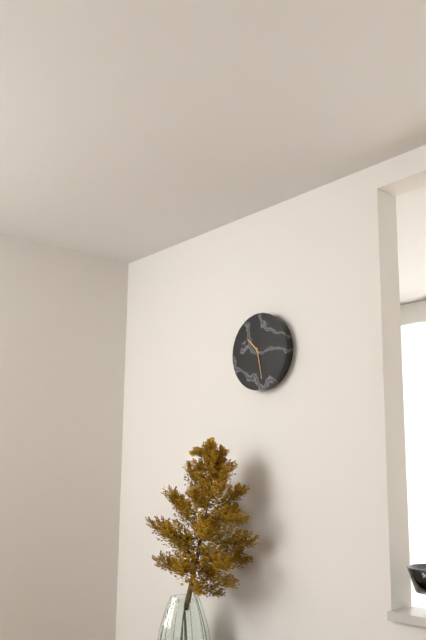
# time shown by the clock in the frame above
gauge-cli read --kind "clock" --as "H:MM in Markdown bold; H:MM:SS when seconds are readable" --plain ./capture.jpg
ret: **10:28**
